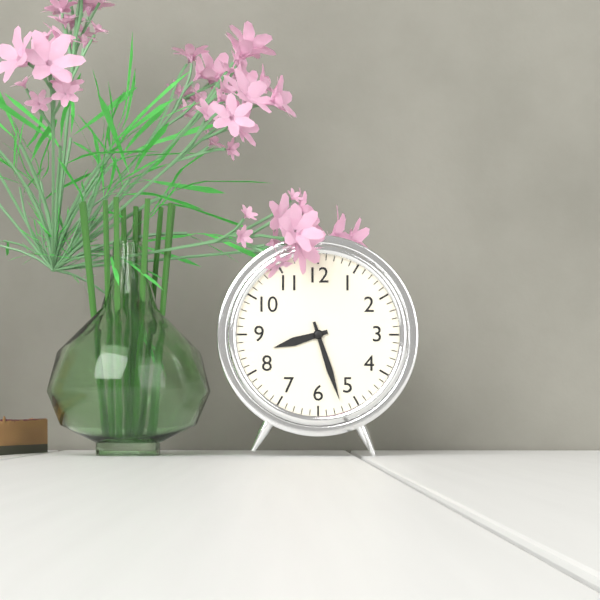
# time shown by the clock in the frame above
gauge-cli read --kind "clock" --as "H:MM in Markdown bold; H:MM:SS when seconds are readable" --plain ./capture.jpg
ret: **8:27**
